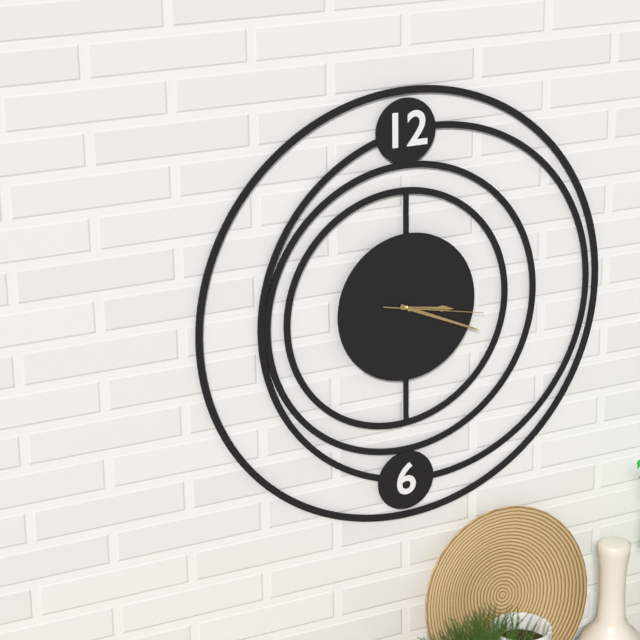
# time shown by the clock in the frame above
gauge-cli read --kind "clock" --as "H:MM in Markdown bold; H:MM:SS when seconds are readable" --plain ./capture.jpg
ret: **3:19:17**
